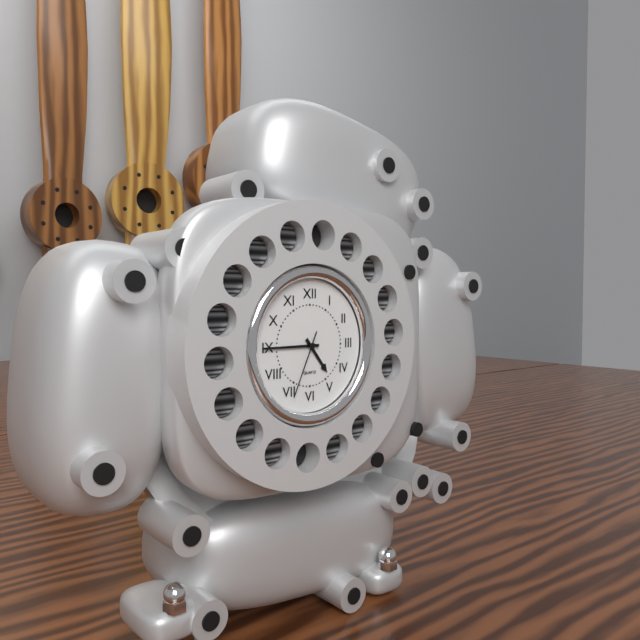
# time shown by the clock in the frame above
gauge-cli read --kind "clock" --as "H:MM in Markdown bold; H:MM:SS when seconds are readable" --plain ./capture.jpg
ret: **4:45:34**
